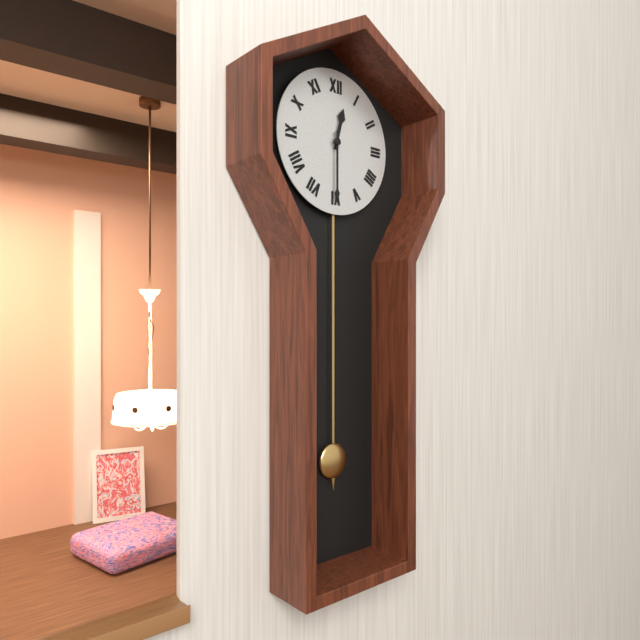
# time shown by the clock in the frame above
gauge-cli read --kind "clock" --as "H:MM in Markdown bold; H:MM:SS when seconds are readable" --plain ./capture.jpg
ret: **12:30**
